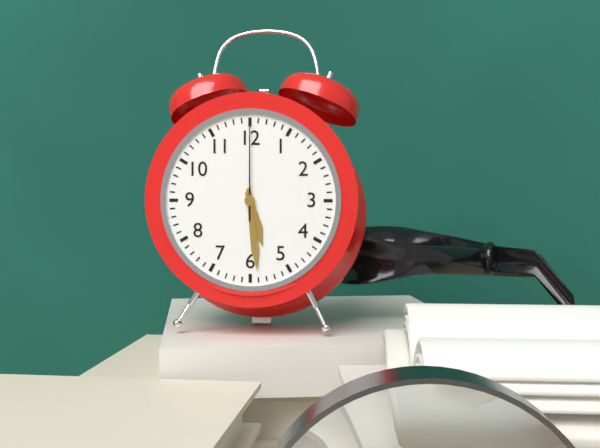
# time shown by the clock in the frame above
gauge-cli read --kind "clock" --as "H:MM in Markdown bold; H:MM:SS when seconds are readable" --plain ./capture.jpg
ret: **5:29:00**
